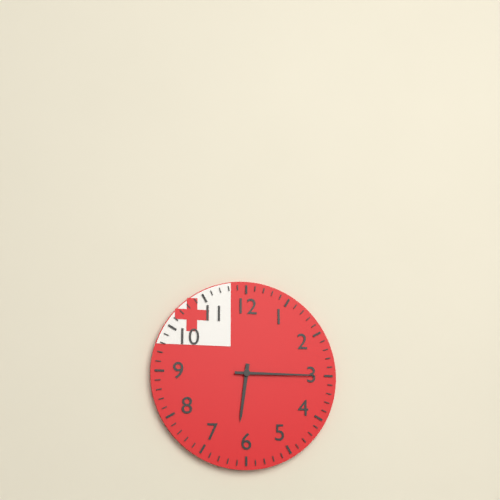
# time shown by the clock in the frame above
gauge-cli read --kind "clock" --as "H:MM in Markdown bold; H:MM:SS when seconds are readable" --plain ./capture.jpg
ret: **6:15**
